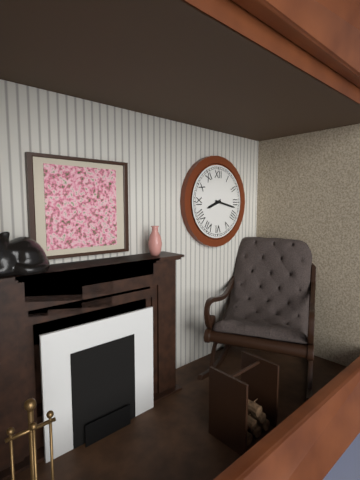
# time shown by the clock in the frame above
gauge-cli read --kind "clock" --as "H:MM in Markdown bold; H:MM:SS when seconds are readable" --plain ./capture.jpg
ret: **8:17**
